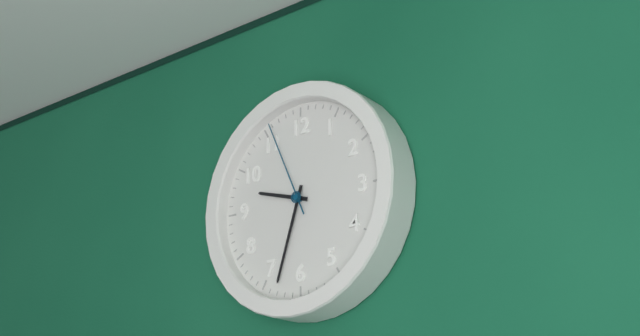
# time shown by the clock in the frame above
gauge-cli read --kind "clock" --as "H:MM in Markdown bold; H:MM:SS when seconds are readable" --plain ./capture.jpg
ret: **9:33:56**
